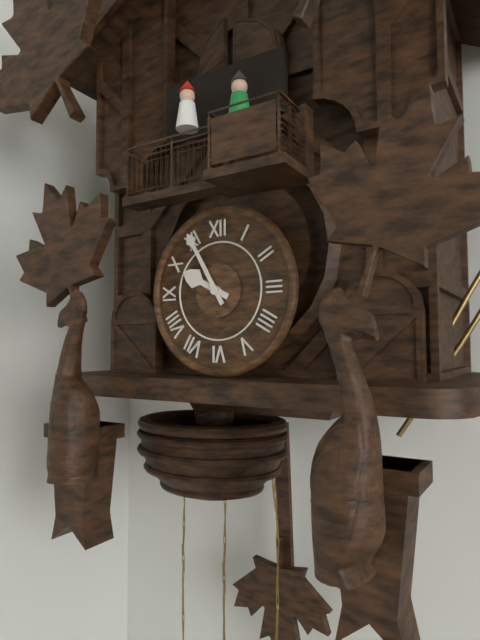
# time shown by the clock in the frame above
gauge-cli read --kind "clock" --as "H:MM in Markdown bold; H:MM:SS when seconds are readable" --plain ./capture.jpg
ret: **9:55**
